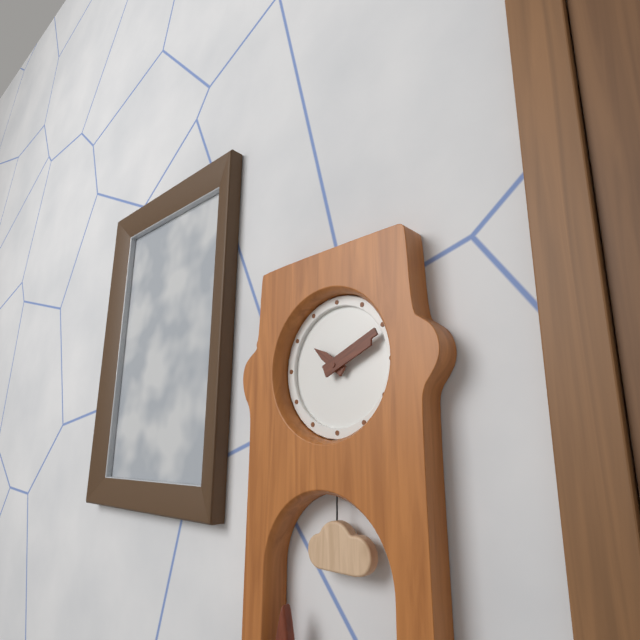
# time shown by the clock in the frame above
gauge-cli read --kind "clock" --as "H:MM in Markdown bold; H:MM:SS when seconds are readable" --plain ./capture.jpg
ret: **10:11**
